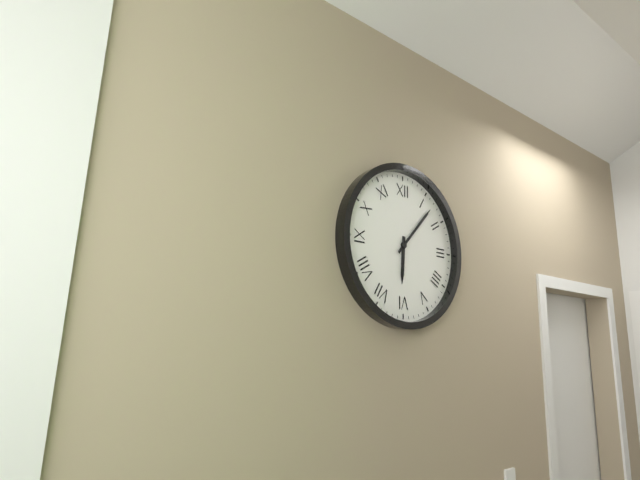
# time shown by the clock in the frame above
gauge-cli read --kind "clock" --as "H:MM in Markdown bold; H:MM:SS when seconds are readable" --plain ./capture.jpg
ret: **6:07**
